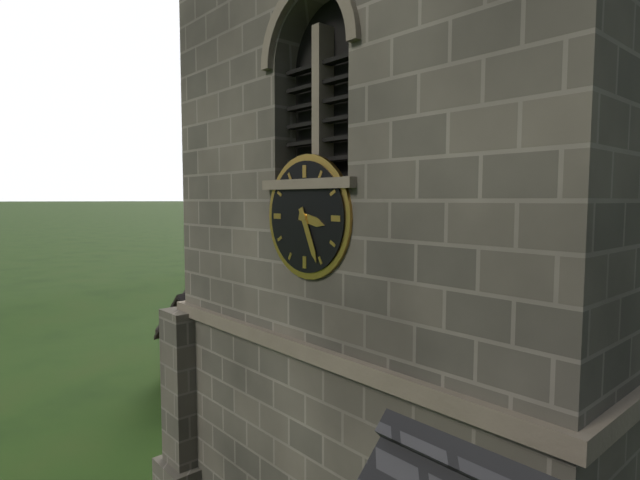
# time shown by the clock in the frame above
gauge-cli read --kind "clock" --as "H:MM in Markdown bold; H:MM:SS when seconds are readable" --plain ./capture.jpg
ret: **3:26**
